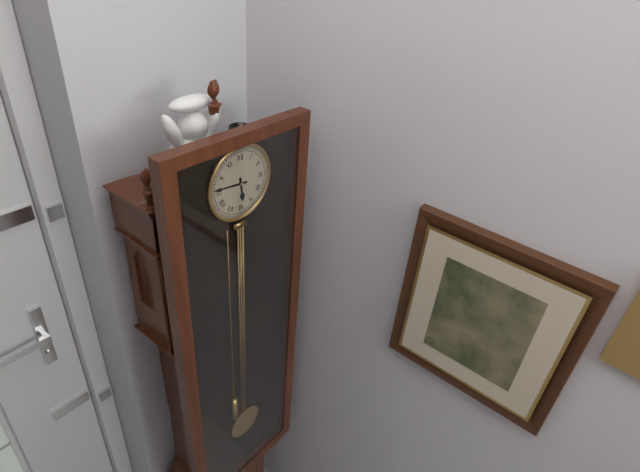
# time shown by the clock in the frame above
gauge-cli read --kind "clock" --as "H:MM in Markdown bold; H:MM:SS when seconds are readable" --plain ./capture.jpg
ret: **5:46**
